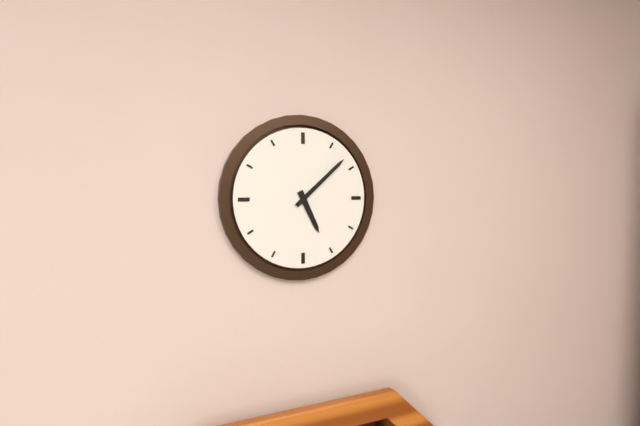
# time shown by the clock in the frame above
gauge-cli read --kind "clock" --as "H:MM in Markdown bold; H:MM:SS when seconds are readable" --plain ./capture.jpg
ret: **5:08**
